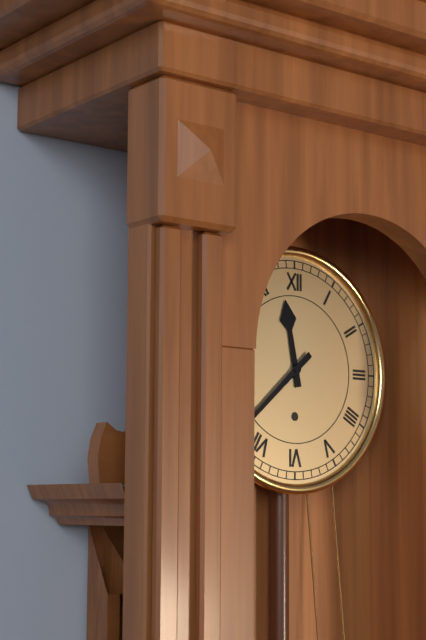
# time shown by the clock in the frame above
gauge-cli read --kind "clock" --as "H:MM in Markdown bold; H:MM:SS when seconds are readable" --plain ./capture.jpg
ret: **11:38**
